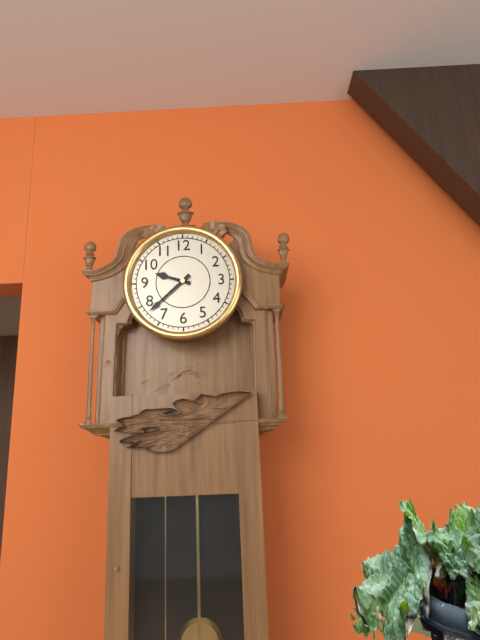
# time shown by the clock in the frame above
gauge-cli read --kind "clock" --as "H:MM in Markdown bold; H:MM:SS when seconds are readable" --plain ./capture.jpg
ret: **9:38**
